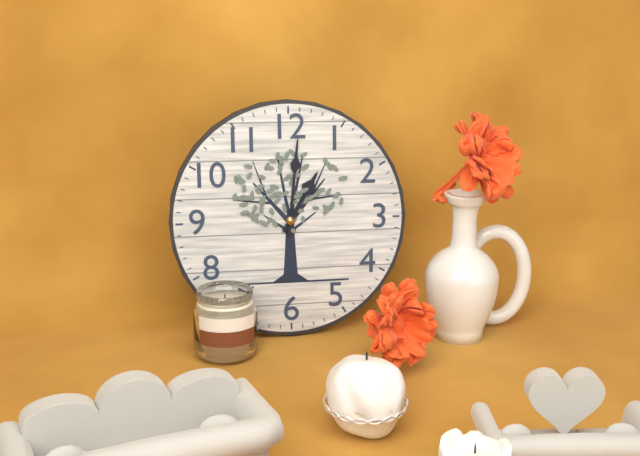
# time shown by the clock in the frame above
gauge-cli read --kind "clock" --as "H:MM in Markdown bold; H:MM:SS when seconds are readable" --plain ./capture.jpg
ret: **1:01**
